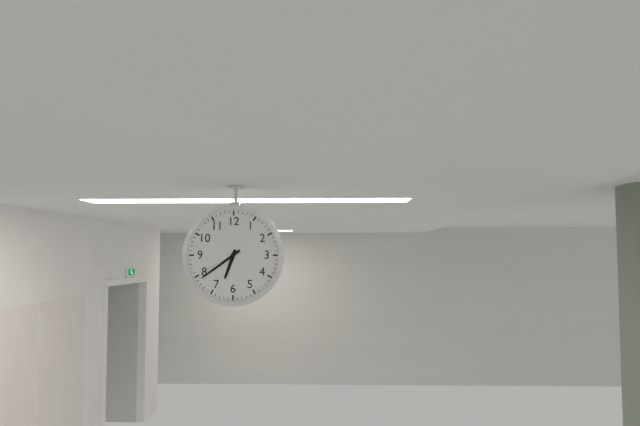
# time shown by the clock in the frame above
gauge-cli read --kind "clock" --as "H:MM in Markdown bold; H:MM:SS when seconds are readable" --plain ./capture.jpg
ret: **6:39**
